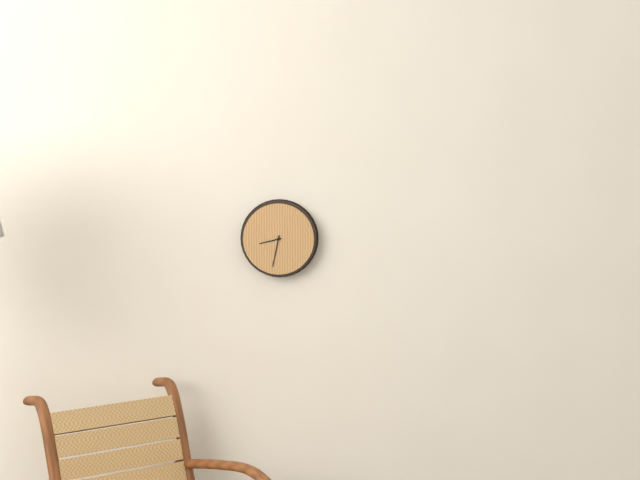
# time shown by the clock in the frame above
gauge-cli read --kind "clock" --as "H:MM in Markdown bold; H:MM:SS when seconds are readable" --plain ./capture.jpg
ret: **8:32**
